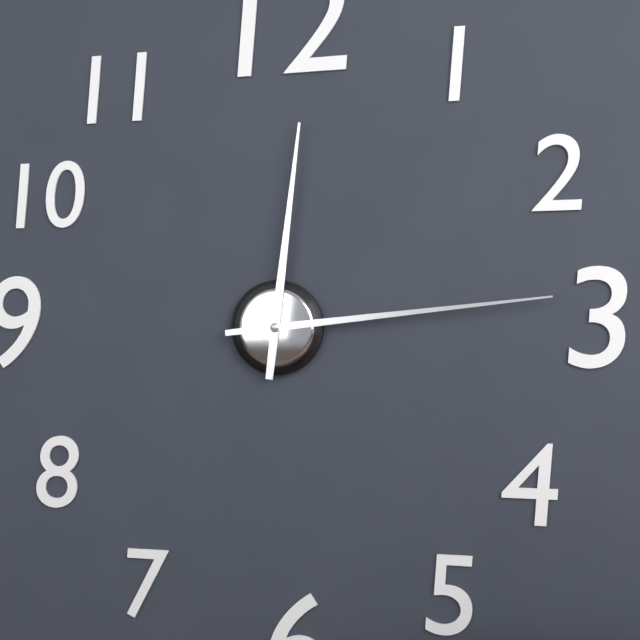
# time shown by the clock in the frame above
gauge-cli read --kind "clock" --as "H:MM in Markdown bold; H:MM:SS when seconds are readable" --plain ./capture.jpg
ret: **12:14**
